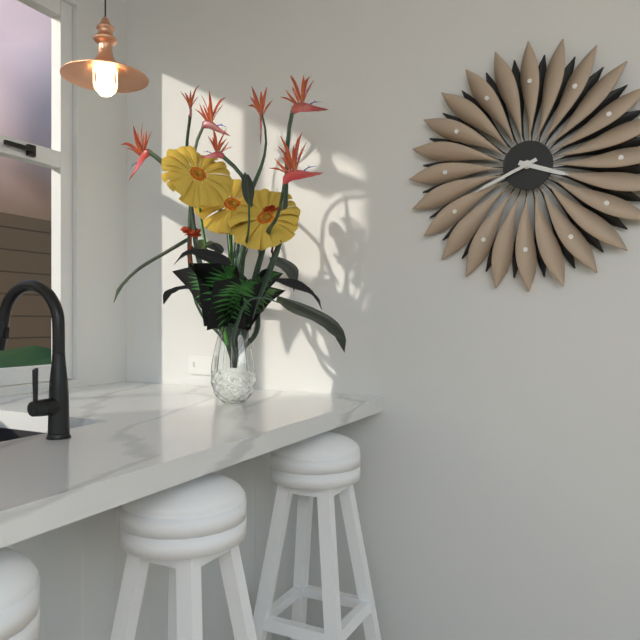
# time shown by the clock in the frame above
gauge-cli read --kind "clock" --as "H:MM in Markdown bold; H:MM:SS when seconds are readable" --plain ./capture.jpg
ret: **3:41**
